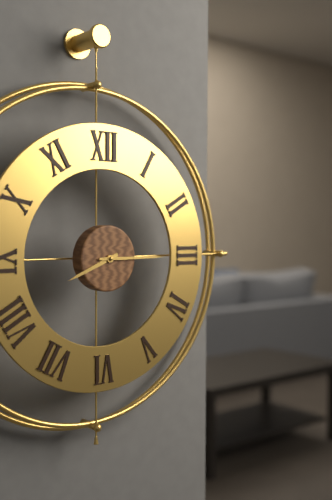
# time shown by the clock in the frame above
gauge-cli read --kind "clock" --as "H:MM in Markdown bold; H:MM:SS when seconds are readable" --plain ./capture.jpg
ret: **8:15**
